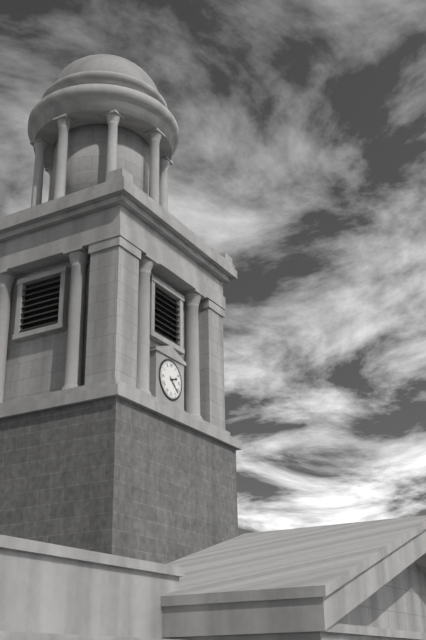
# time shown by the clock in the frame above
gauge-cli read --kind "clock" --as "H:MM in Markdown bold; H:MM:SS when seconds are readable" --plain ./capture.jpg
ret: **2:22**
